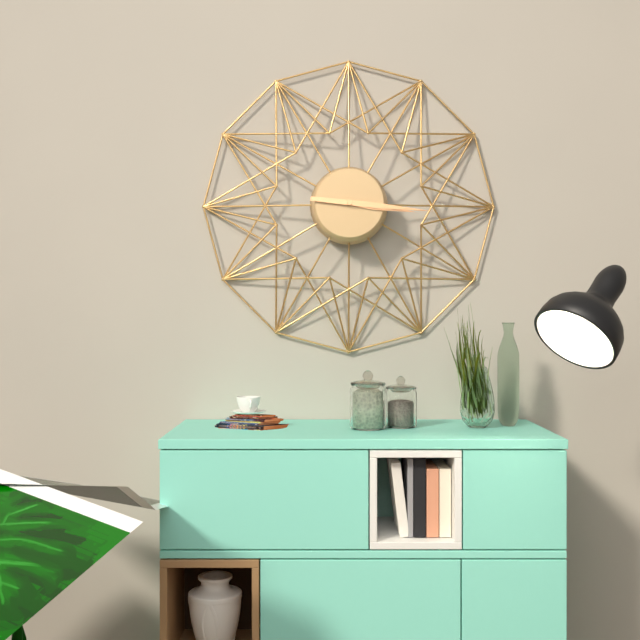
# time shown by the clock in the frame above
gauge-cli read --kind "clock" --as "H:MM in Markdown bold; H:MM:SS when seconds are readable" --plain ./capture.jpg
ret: **3:16**
